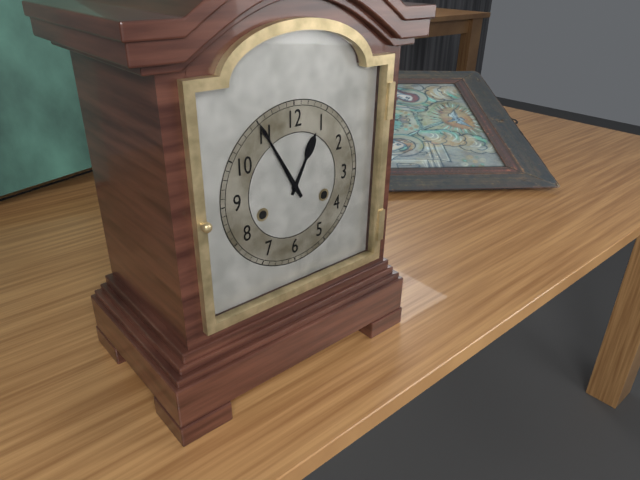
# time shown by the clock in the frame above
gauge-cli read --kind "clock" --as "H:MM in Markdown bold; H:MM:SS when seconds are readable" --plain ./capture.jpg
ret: **12:55**
